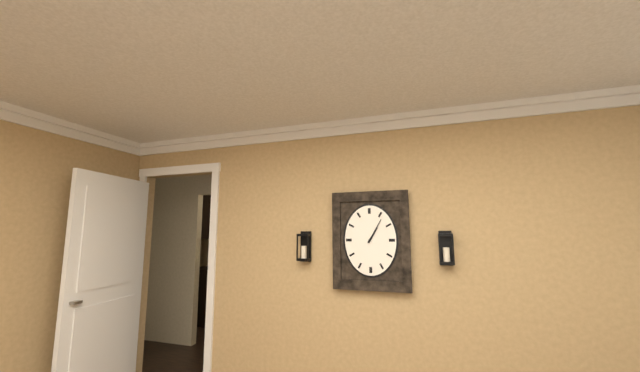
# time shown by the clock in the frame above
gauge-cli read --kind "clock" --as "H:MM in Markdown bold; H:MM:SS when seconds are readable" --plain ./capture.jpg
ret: **1:05**
